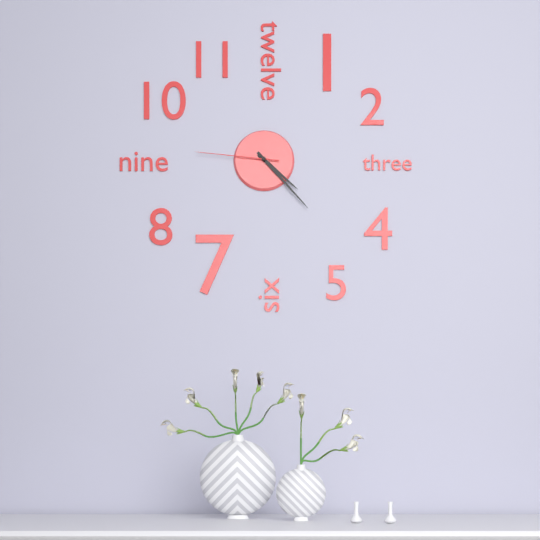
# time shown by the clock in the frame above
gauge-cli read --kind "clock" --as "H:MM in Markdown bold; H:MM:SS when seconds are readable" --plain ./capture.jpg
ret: **4:23:46**
